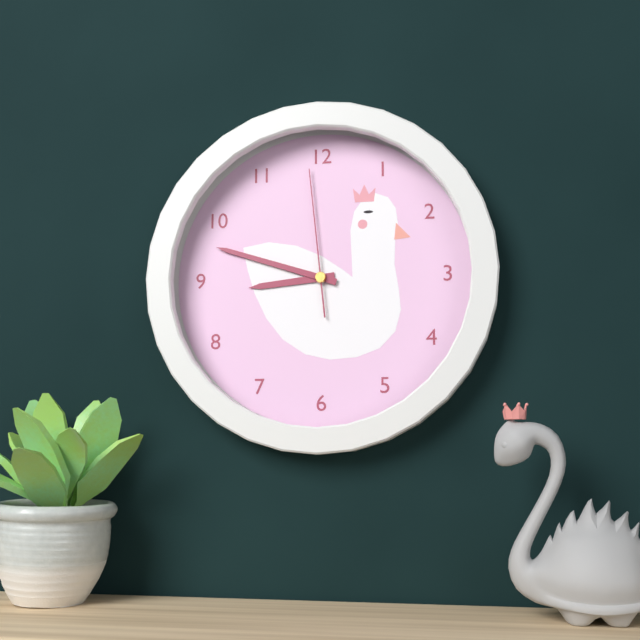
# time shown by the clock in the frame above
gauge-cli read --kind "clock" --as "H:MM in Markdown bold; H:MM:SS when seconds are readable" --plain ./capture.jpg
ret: **8:48:59**
